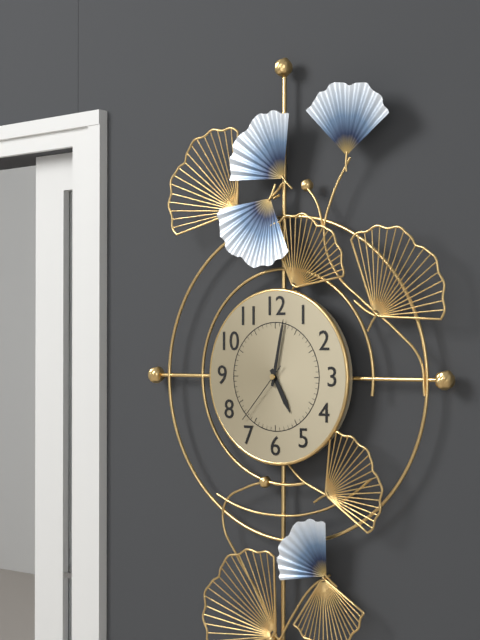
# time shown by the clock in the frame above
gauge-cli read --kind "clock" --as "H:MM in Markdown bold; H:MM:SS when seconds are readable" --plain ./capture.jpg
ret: **5:02:37**
